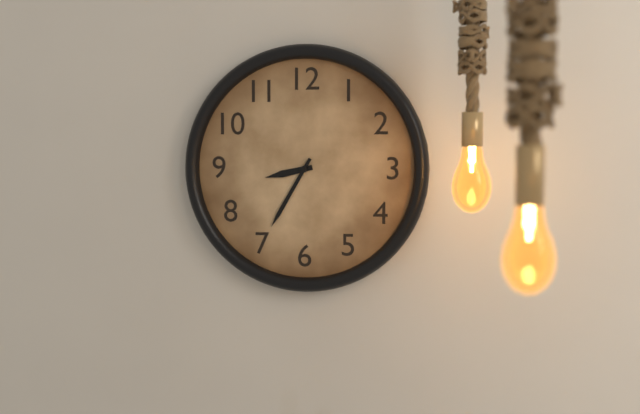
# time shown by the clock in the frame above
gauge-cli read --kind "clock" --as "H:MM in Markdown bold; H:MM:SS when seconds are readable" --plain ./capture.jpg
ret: **8:35**
